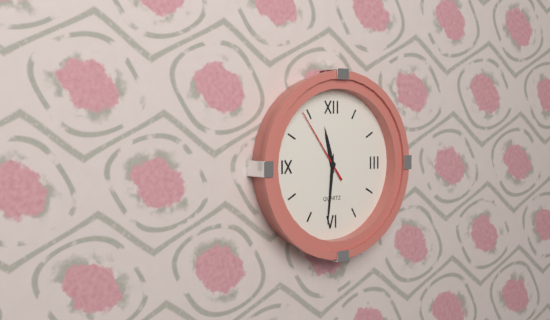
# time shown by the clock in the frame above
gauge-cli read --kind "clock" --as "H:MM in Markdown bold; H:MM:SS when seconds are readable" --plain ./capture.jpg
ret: **11:31:54**
